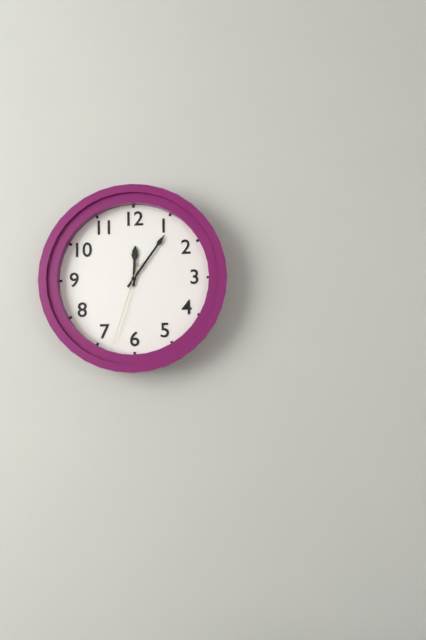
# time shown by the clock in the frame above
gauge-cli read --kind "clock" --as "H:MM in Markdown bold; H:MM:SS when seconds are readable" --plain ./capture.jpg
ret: **12:06:33**
